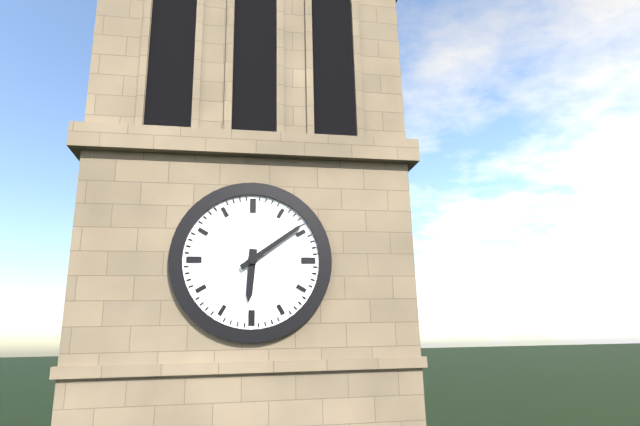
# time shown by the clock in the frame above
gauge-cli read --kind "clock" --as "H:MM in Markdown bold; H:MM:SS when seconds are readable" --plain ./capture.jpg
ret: **6:09**
